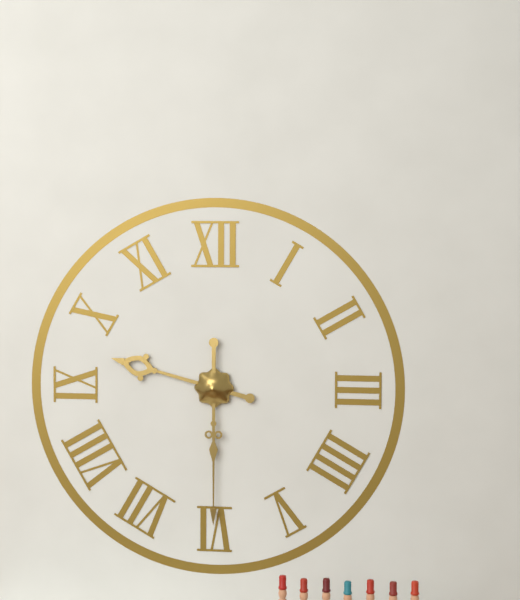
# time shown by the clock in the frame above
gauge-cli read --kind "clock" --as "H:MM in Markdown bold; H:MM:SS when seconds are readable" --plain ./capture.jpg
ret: **9:30**
